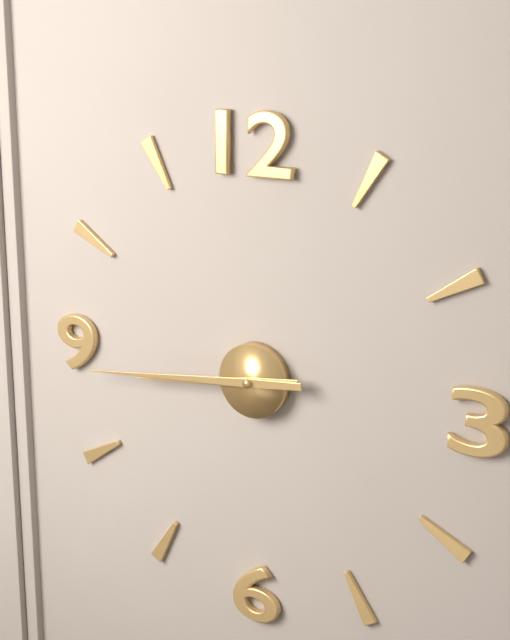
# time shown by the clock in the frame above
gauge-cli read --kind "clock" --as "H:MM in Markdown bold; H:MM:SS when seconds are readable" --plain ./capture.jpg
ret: **8:44**
